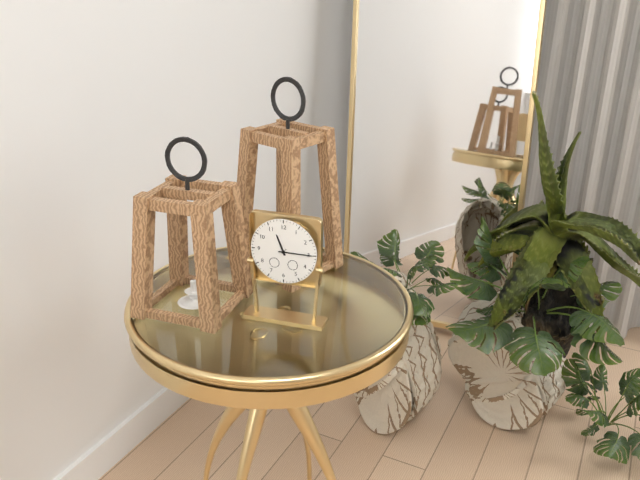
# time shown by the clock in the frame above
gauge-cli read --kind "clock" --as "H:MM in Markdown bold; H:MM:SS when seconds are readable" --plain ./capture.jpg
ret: **11:15**
